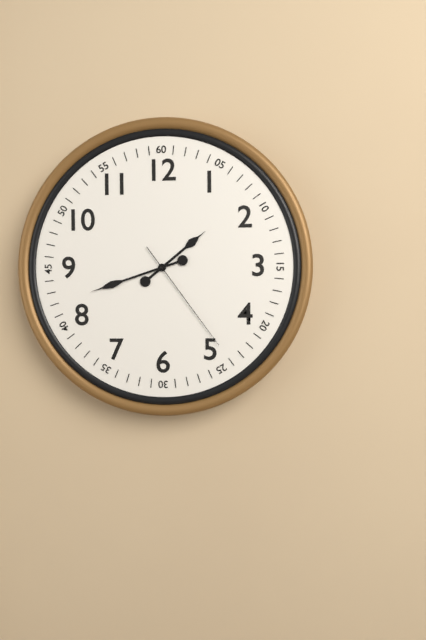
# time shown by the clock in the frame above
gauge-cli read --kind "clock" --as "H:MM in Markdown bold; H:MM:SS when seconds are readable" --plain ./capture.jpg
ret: **1:42:24**
